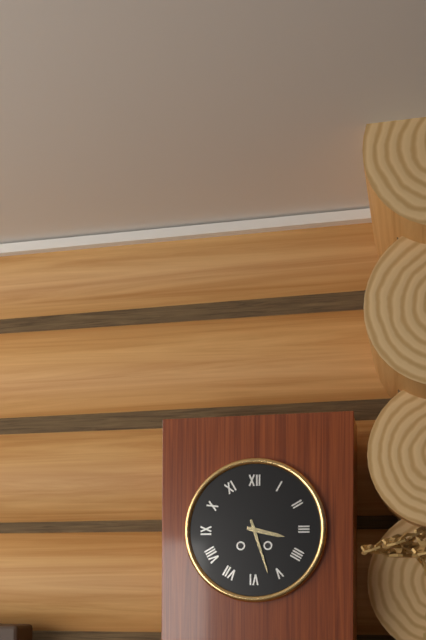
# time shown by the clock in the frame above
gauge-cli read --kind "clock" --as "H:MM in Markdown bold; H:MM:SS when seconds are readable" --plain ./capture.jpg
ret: **3:27**
